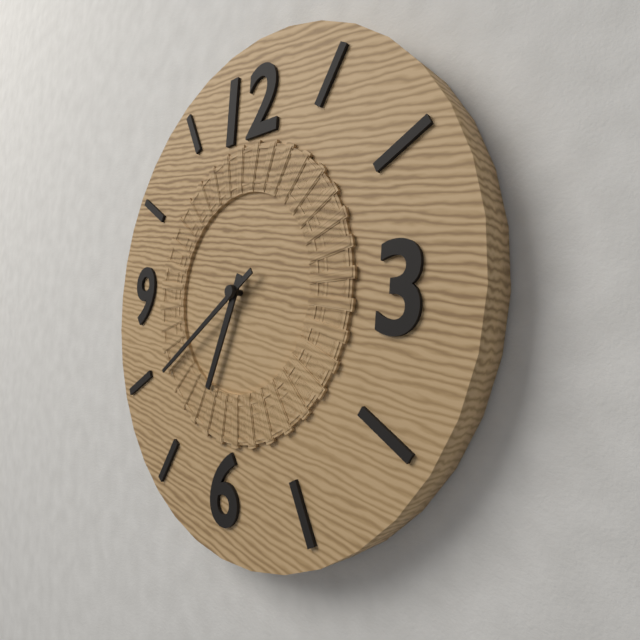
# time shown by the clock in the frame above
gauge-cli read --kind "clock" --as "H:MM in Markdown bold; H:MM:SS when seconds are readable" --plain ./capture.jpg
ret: **6:39**
